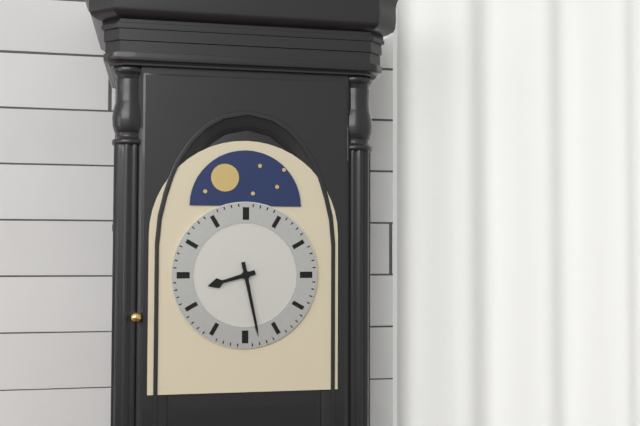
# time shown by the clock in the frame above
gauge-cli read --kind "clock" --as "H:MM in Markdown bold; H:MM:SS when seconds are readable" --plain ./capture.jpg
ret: **8:28**
